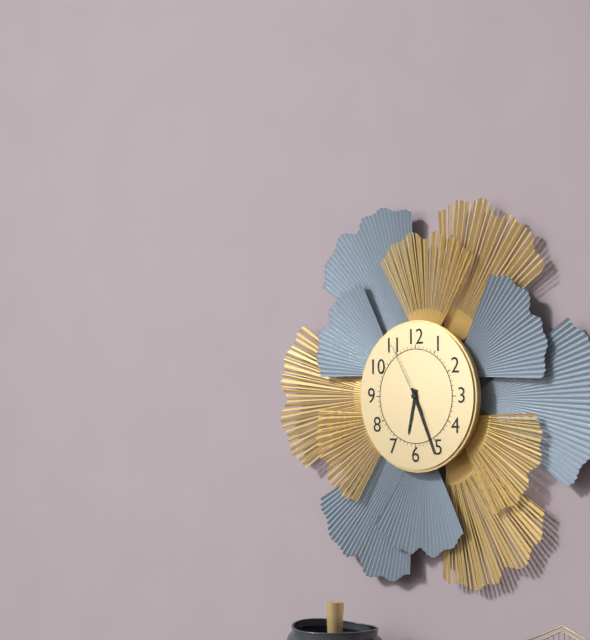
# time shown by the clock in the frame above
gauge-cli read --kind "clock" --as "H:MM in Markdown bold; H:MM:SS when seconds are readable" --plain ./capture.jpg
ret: **6:26:55**
